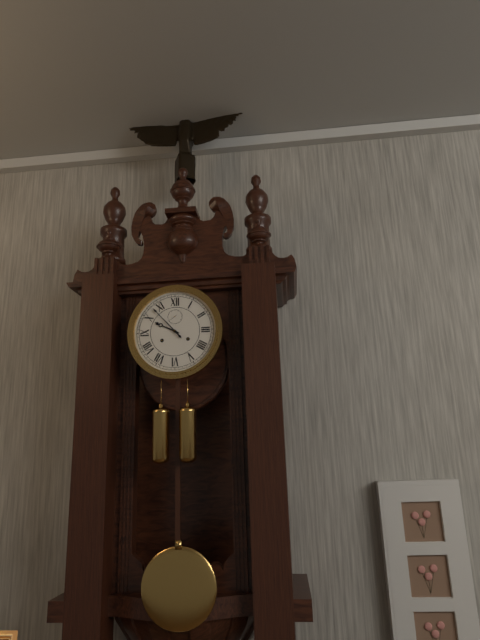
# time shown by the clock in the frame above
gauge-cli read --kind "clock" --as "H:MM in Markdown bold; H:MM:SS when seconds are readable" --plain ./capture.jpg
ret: **9:53**
